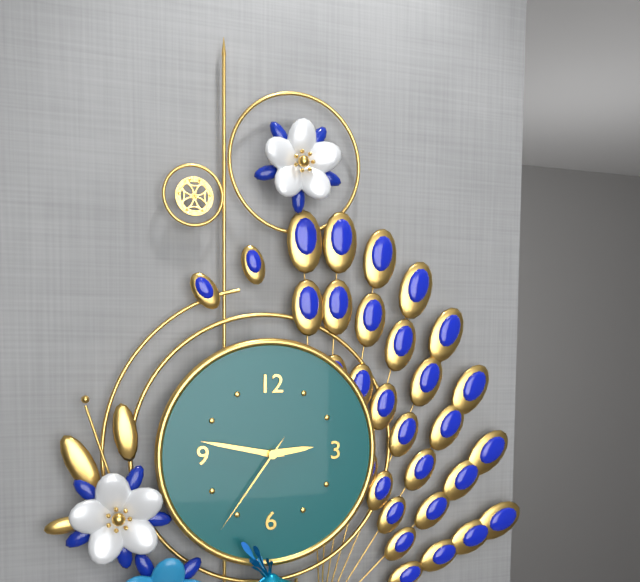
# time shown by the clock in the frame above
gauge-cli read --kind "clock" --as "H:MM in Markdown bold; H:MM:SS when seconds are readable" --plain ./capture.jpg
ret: **2:47:36**
